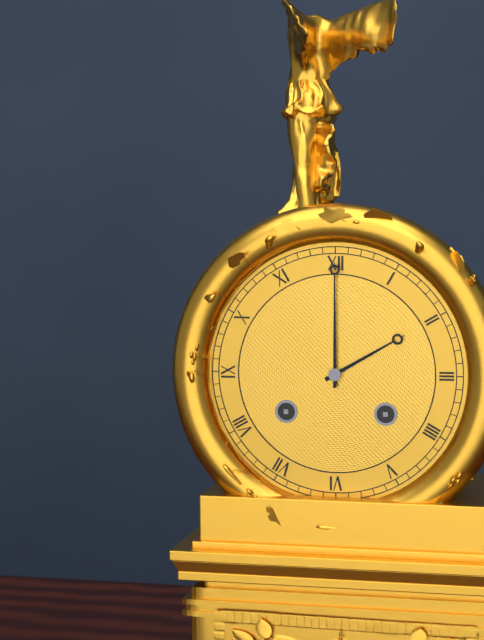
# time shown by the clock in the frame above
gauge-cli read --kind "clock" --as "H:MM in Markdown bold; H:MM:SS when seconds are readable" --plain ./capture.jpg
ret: **2:00**
